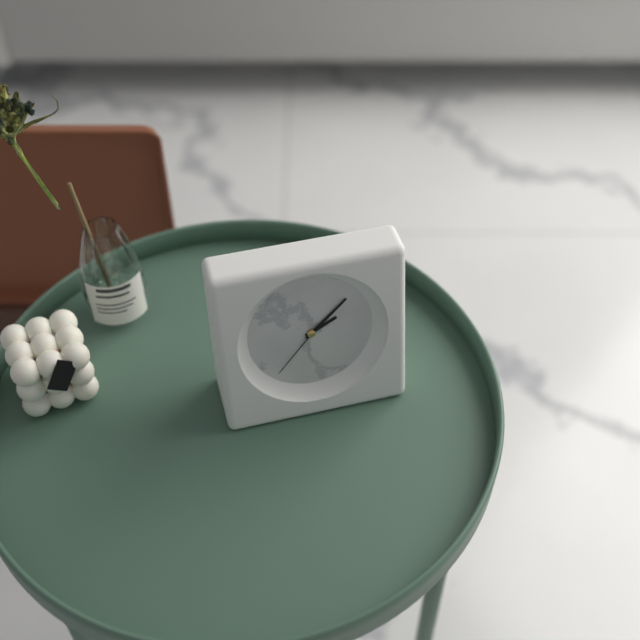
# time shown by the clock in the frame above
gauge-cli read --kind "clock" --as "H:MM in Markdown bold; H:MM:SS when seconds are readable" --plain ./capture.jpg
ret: **2:08:37**
